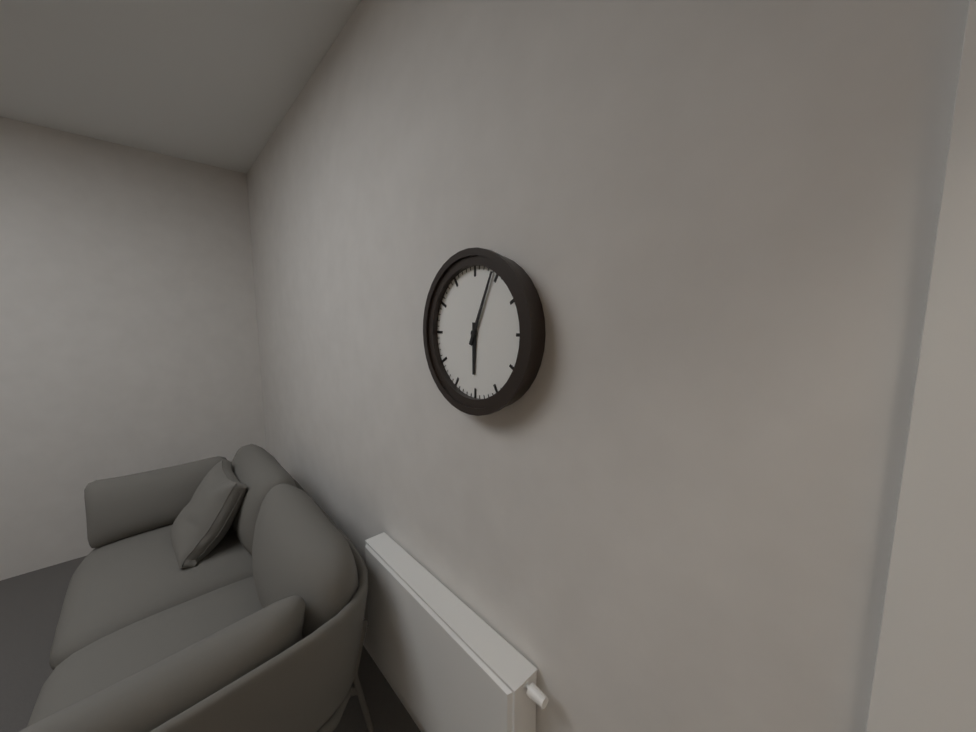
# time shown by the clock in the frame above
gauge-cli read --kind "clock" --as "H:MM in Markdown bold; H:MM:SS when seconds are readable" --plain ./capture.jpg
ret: **6:04**
